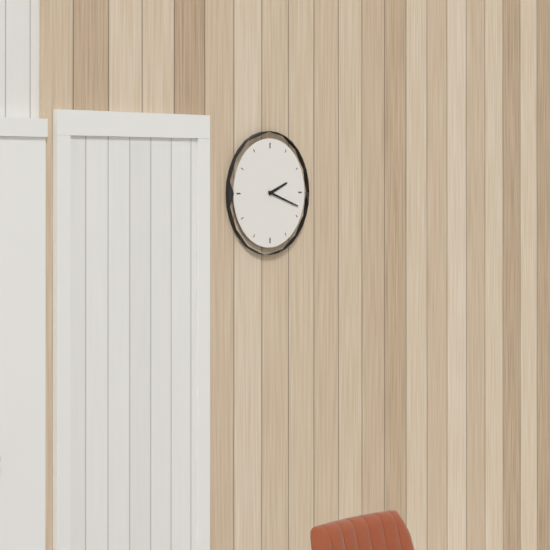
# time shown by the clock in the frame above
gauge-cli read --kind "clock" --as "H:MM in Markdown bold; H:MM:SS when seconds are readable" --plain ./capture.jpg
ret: **2:18**
